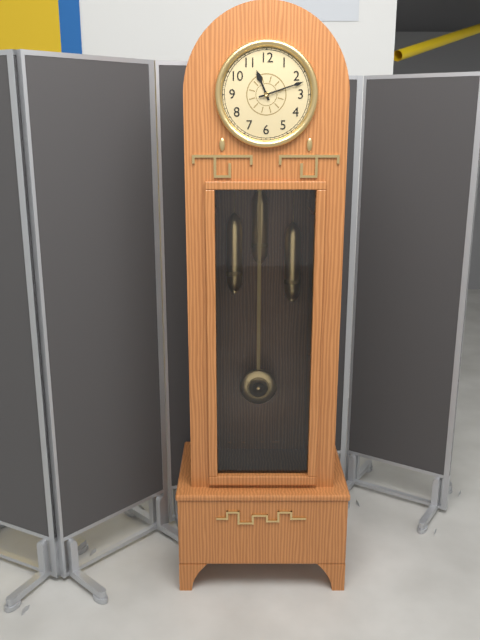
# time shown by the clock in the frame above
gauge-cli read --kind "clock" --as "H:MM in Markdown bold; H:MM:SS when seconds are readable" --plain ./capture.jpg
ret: **11:12**
